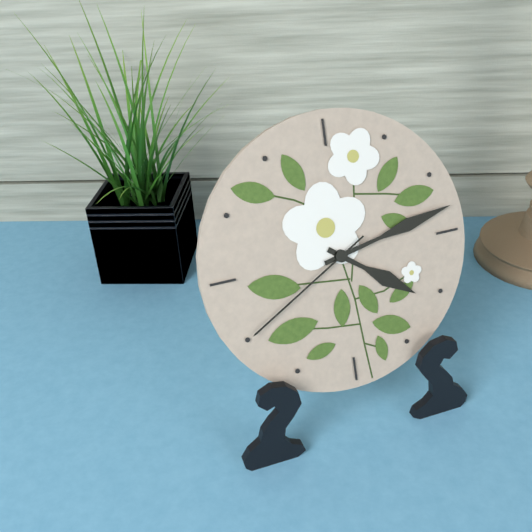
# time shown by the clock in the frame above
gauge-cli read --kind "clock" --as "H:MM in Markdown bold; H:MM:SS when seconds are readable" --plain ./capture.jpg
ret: **4:13:40**
